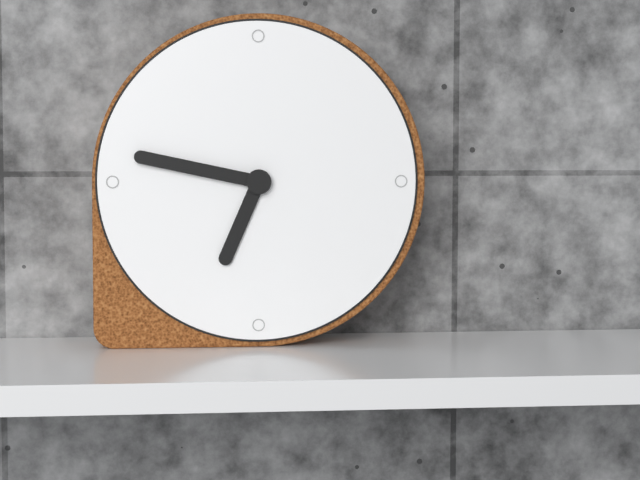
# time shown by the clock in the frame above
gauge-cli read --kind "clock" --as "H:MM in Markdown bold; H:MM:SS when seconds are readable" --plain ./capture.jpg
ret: **6:47**
